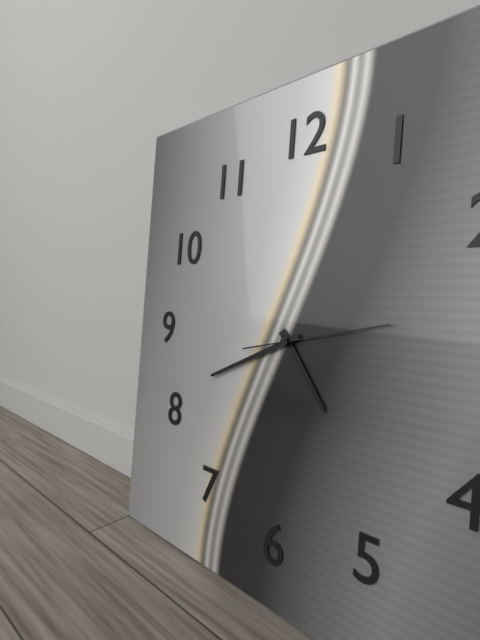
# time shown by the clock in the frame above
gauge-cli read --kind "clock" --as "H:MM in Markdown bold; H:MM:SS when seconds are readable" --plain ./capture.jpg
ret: **4:41:13**
